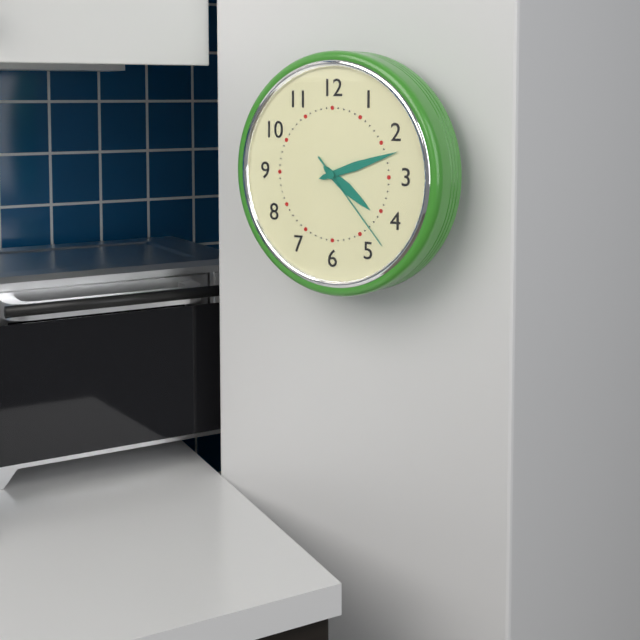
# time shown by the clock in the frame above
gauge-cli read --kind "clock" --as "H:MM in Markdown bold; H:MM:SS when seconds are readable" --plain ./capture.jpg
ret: **4:12:23**
